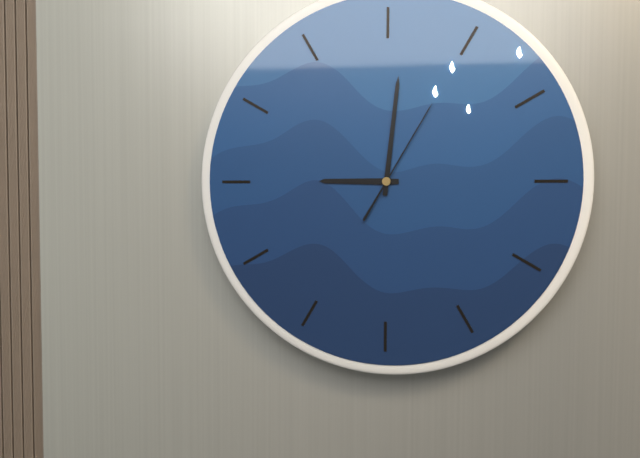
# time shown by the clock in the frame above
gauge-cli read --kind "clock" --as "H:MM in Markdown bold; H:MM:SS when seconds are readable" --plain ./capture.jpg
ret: **9:01:05**
